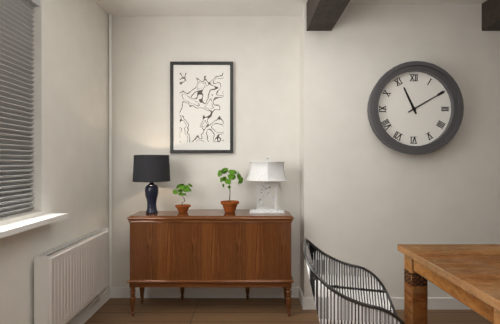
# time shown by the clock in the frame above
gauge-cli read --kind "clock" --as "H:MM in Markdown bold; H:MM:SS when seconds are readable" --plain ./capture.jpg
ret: **11:10**
